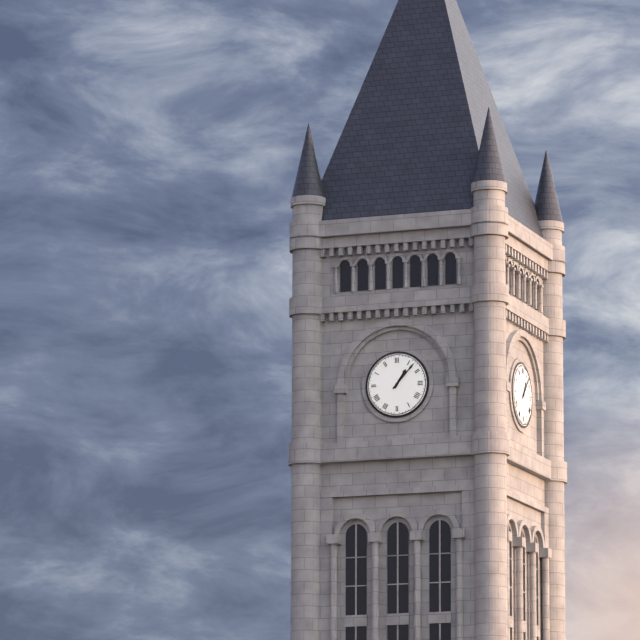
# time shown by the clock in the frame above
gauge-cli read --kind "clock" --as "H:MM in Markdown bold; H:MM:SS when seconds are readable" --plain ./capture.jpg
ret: **1:07**
